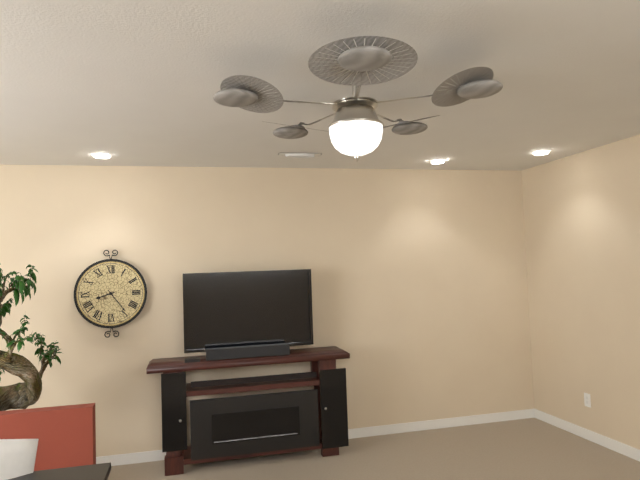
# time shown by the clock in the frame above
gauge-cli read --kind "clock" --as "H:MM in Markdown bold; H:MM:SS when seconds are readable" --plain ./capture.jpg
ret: **8:24**
